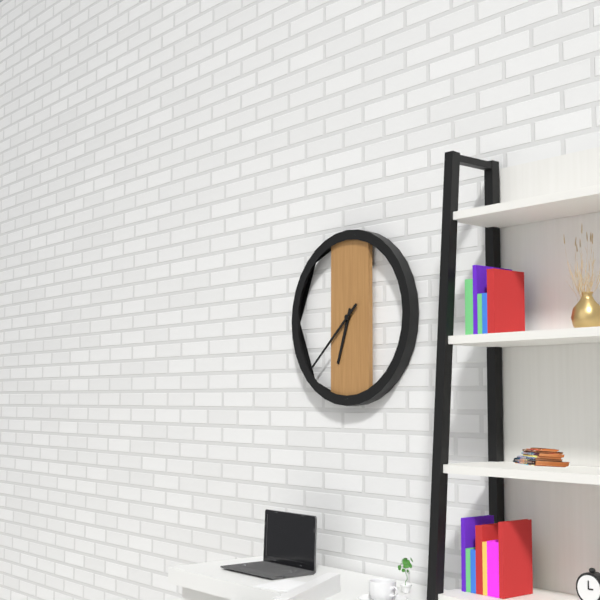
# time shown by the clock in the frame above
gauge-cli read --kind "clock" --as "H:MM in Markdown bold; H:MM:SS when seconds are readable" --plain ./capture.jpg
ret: **6:38**
